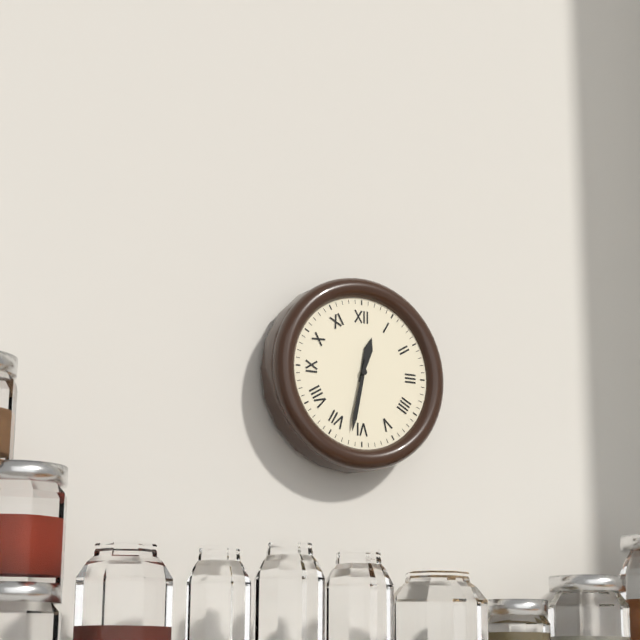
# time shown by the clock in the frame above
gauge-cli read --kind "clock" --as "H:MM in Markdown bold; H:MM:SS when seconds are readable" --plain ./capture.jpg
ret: **12:32**
